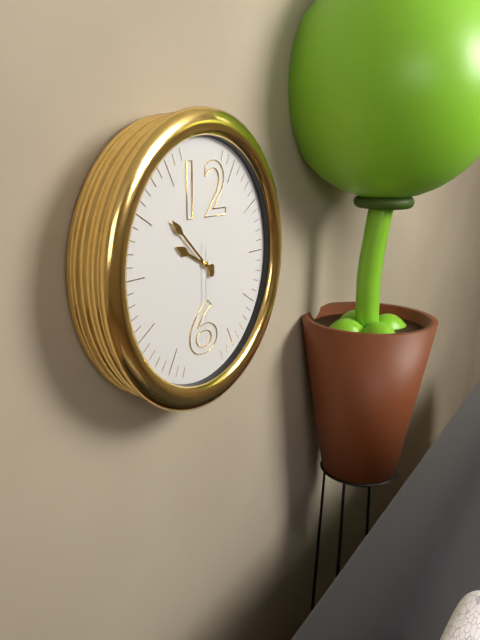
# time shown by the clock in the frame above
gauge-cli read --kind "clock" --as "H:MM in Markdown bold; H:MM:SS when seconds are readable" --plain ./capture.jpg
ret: **9:52:30**
